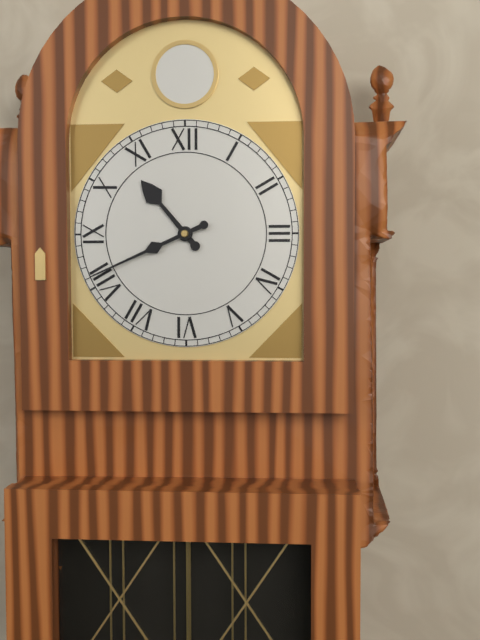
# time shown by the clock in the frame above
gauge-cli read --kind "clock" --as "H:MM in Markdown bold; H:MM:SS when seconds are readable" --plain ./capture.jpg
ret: **10:41**
